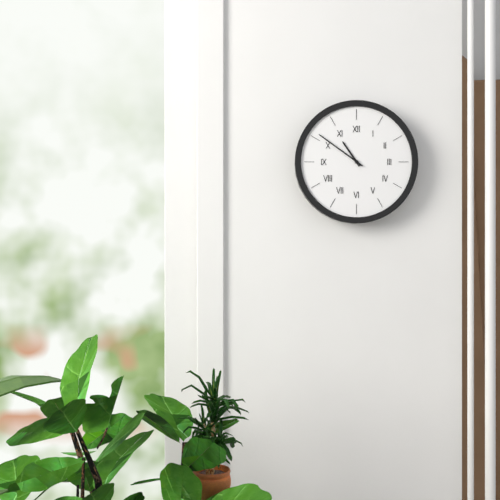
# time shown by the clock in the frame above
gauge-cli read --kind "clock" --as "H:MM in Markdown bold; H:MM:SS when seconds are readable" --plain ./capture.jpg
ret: **10:51**
